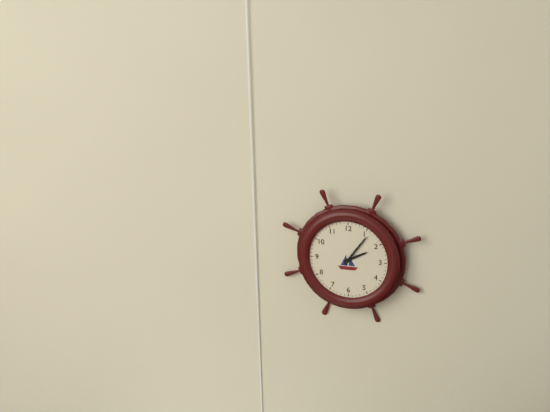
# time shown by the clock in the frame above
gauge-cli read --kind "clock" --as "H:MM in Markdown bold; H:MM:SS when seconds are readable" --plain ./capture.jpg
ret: **2:06**
